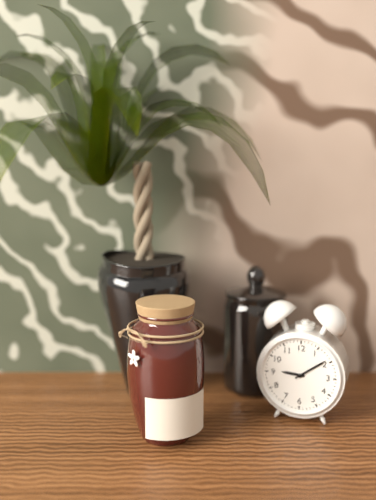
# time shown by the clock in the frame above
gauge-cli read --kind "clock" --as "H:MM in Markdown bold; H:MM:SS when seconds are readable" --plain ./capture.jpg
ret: **9:09**
